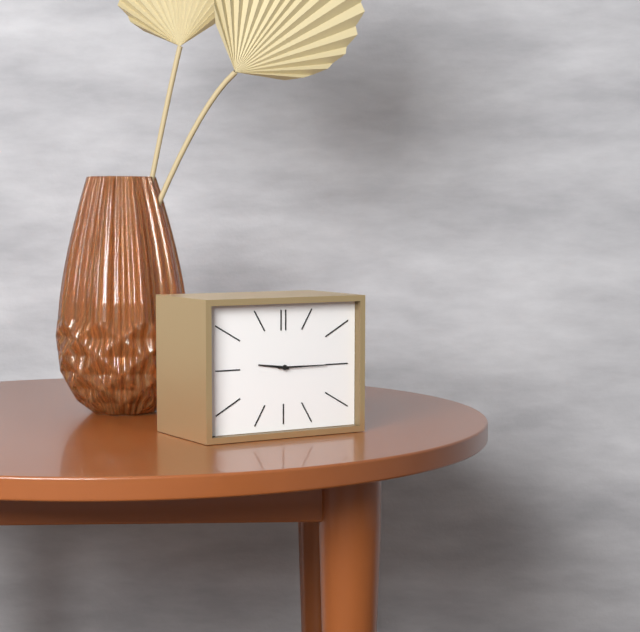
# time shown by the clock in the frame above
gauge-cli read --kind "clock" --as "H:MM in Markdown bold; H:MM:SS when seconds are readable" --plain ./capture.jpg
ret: **9:15**
